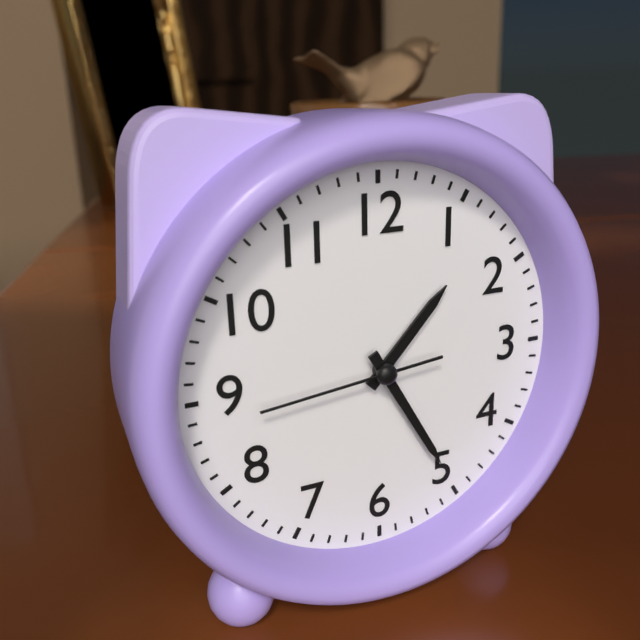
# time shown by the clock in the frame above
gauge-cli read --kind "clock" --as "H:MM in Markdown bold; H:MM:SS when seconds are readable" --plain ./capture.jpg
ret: **1:25:44**
